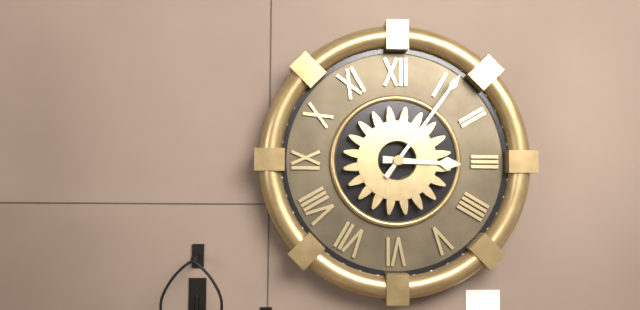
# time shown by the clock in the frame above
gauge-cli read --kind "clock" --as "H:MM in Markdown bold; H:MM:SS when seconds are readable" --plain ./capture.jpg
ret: **3:06**
